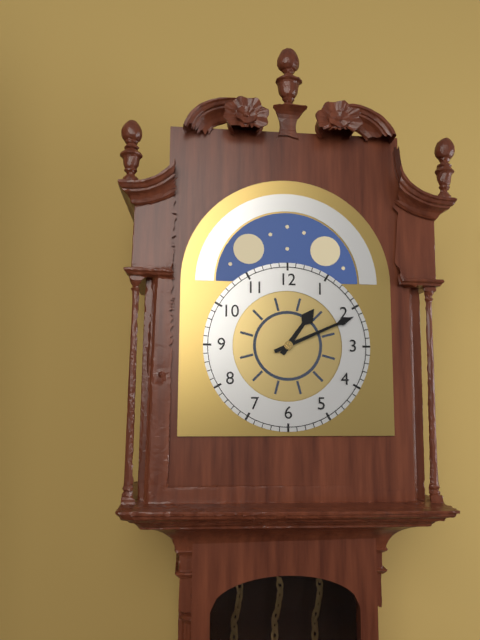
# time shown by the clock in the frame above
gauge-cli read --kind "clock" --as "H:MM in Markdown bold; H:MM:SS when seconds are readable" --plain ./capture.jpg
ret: **1:11**
